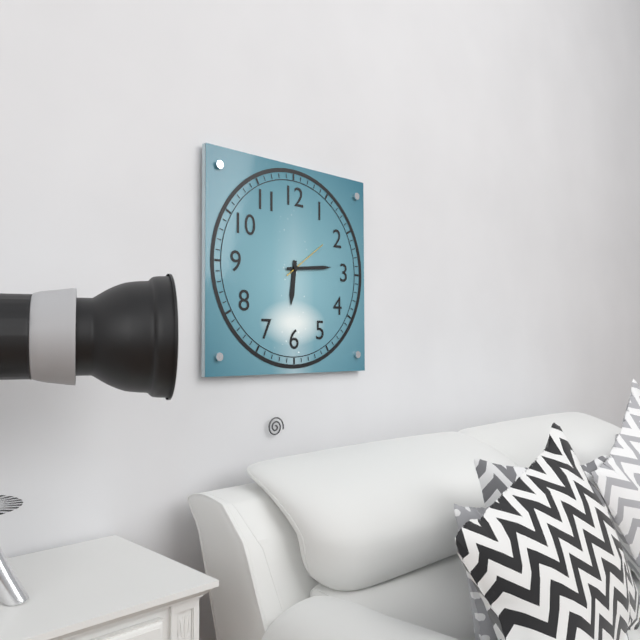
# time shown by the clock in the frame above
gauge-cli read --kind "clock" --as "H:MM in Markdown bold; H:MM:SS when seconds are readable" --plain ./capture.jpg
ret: **6:14**
